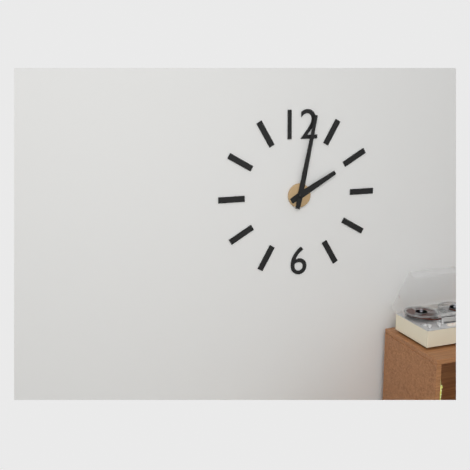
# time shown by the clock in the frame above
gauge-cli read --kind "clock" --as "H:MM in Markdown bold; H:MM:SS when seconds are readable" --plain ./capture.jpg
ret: **2:02**
